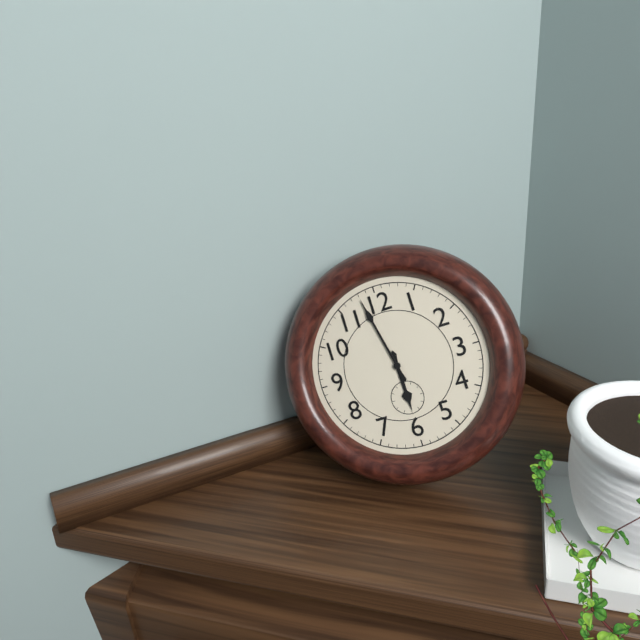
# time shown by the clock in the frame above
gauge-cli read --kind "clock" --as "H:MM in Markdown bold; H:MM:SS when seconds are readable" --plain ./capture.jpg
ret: **5:58**
